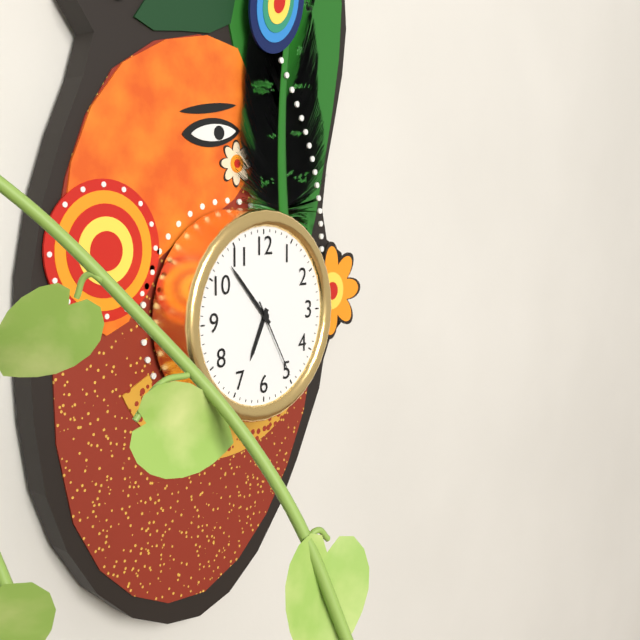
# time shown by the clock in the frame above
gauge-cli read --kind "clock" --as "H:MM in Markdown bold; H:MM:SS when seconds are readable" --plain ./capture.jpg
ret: **6:53:25**
